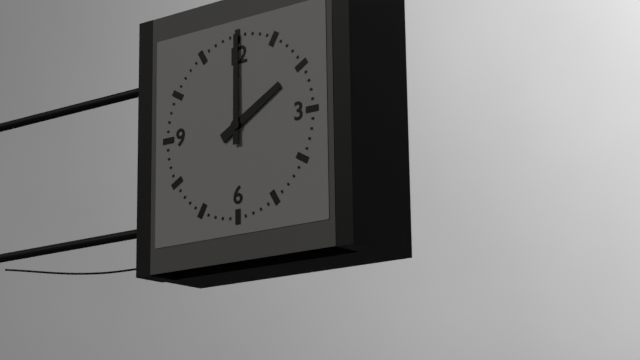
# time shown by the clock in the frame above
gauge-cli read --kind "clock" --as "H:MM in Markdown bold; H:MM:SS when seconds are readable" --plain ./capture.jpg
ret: **2:00**
